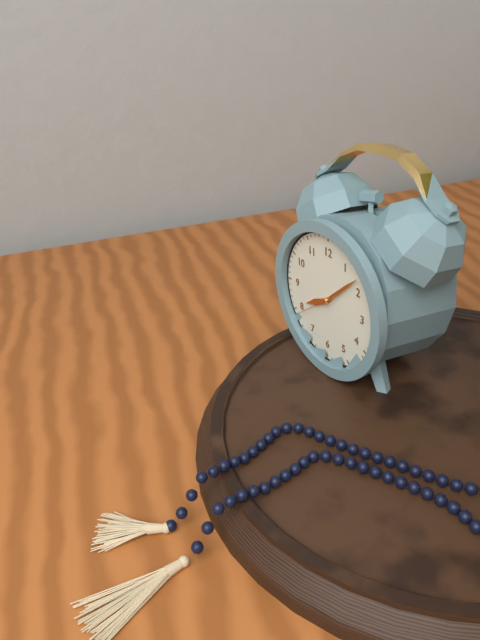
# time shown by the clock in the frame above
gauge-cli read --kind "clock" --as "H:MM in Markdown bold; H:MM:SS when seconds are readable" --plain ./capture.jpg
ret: **8:08**
